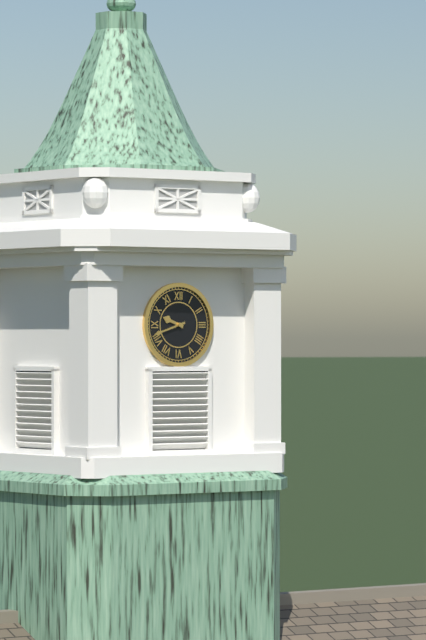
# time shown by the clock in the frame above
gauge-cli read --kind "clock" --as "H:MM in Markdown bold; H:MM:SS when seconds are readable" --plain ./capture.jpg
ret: **9:42**
